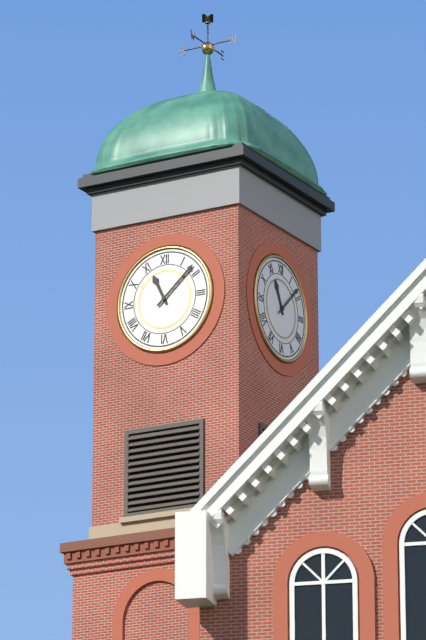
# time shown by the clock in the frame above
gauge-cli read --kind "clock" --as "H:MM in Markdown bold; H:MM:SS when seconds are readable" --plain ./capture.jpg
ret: **11:08**
